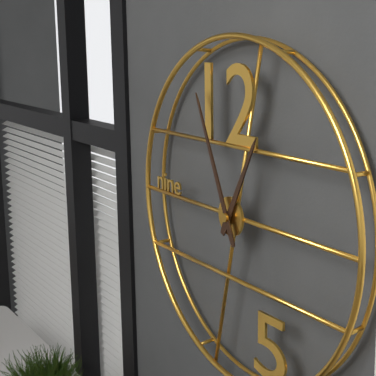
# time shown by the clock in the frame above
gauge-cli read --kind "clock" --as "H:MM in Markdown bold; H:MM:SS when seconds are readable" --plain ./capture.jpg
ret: **12:56**
